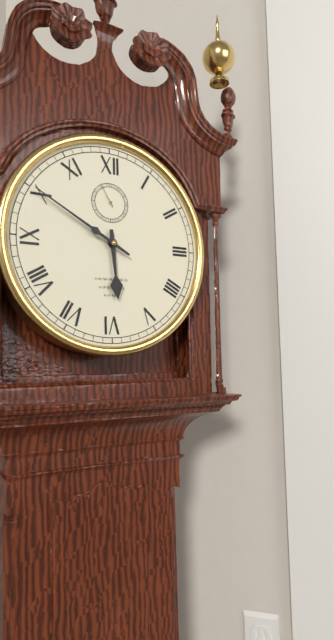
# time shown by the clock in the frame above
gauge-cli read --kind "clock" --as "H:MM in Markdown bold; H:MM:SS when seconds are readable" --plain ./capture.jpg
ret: **5:50**
